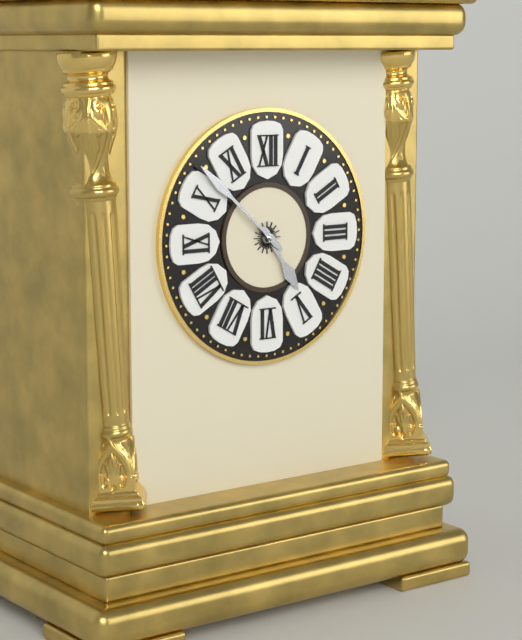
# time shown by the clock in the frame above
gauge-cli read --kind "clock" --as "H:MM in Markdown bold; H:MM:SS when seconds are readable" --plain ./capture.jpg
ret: **4:52**
